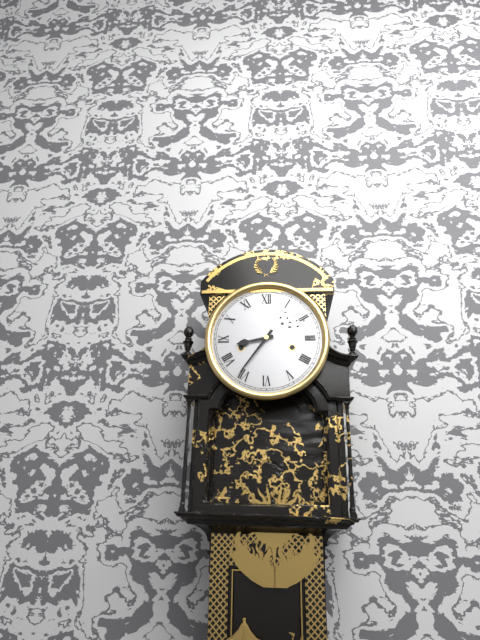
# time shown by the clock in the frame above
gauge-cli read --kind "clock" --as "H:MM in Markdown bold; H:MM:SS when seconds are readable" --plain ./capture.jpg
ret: **8:36**
